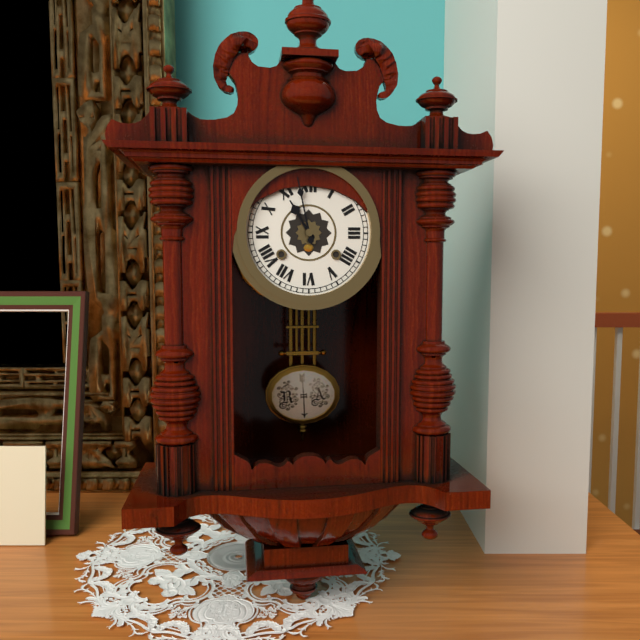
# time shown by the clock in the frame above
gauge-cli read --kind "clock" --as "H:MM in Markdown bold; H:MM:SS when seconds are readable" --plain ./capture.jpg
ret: **10:58**
